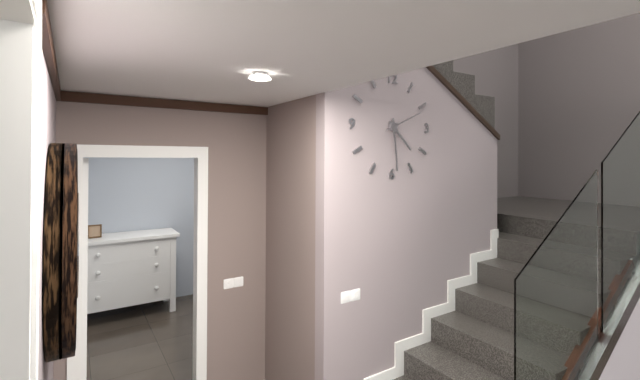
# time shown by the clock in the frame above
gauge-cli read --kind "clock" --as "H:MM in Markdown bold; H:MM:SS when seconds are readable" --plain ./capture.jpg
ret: **4:29**
